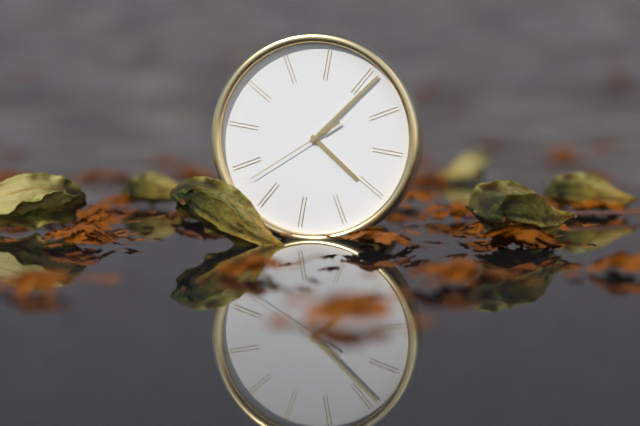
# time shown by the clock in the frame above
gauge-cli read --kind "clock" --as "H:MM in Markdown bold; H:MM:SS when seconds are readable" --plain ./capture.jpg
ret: **4:06:38**
